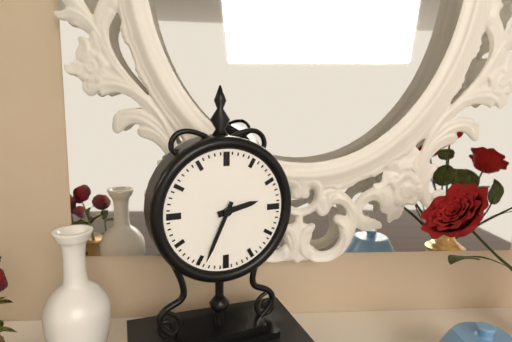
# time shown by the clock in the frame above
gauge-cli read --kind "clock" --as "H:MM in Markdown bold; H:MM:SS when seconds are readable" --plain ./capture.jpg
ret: **2:34**
